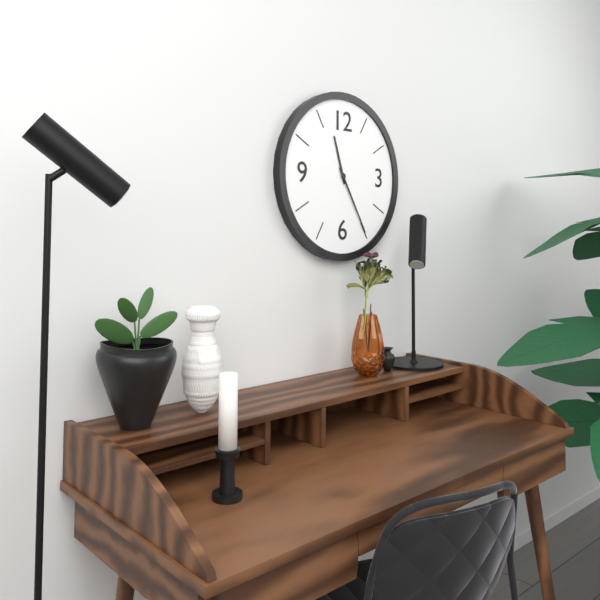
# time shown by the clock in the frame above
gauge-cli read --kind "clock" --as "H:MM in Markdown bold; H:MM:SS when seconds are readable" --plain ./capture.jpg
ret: **11:25**
